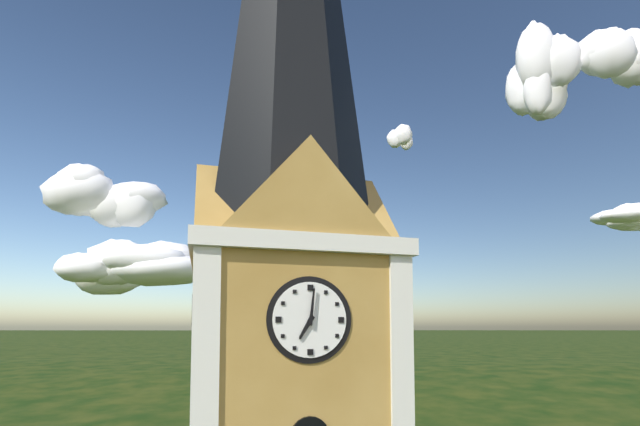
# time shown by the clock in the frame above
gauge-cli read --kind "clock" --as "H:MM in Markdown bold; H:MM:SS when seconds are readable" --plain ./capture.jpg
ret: **7:01**
